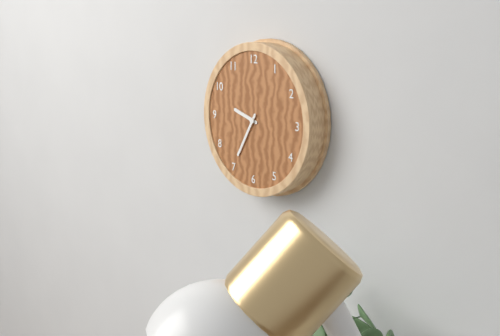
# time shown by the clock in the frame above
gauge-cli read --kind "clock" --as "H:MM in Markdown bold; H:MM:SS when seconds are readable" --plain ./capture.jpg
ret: **9:35**
